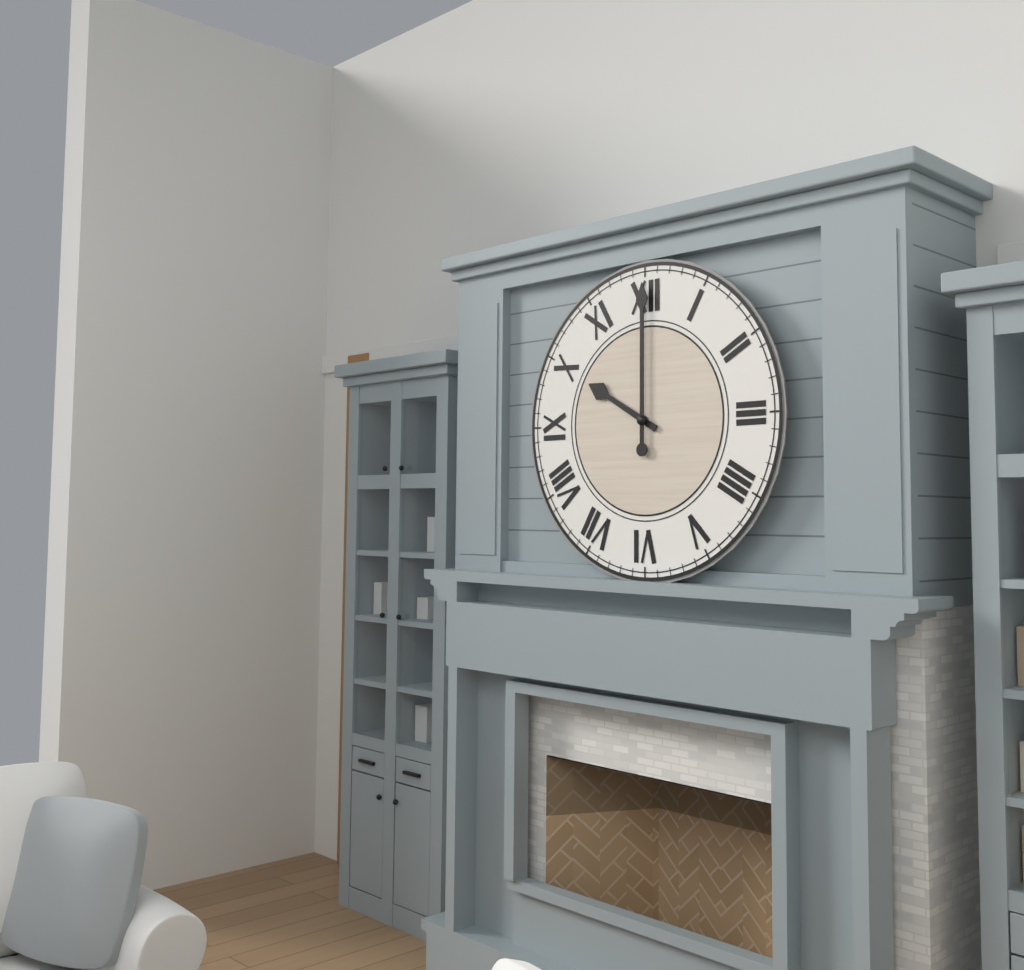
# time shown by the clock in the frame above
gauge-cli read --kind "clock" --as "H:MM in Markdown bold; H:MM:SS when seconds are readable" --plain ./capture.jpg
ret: **10:00**
